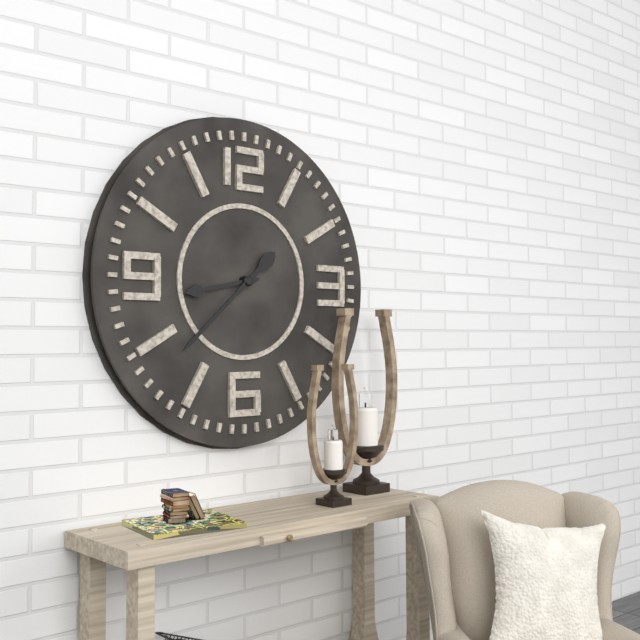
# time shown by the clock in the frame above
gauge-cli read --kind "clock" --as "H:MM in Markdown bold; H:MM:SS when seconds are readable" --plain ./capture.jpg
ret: **8:38**
